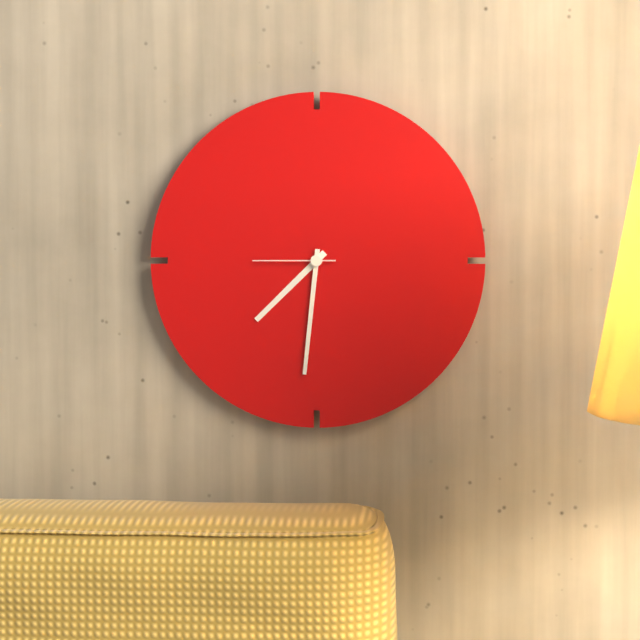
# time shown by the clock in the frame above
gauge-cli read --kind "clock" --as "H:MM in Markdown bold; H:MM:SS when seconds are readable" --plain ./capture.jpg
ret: **7:31:45**
